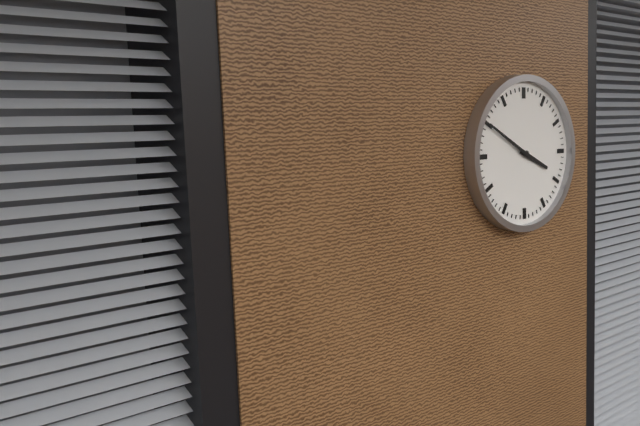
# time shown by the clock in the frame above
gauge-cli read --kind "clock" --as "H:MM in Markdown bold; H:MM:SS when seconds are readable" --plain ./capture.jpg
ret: **3:50**
